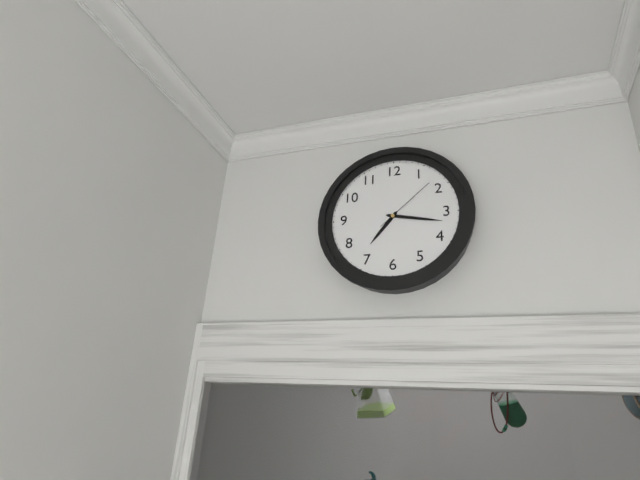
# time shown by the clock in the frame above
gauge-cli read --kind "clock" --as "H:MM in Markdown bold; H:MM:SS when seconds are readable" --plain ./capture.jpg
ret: **7:17:08**
